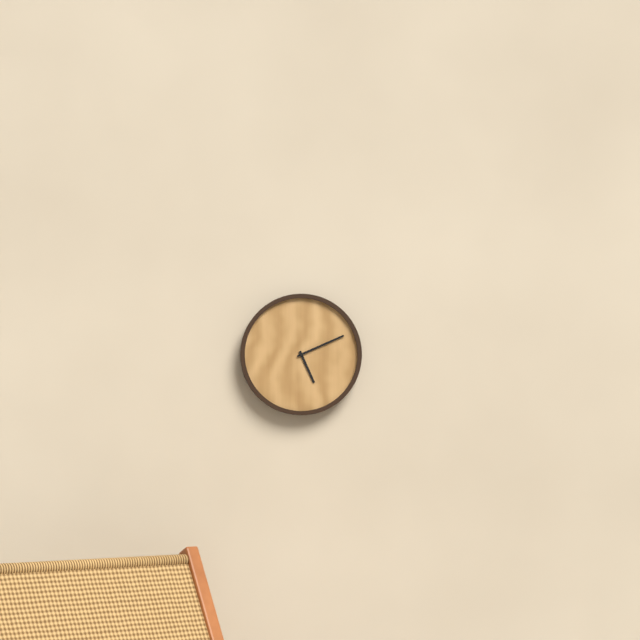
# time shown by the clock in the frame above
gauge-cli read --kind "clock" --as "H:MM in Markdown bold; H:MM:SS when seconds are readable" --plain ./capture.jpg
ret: **5:11**
